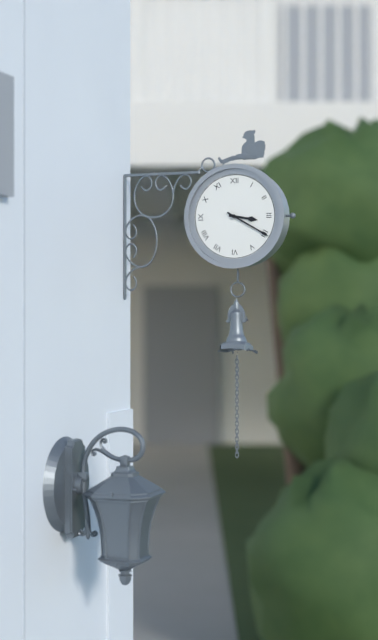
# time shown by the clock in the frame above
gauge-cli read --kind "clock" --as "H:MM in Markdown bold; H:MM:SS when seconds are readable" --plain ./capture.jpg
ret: **3:20**
